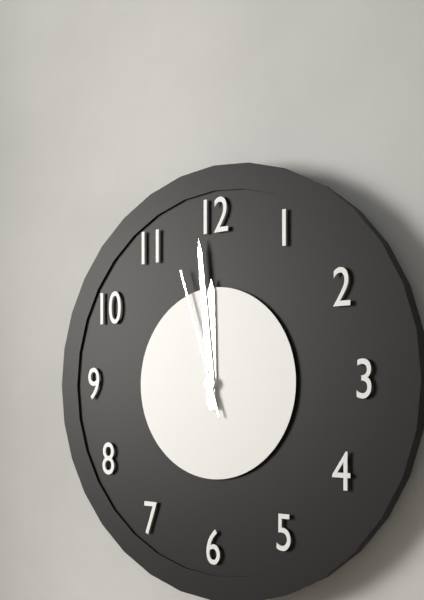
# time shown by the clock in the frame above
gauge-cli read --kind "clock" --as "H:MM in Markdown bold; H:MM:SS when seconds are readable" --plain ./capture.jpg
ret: **11:59:57**
